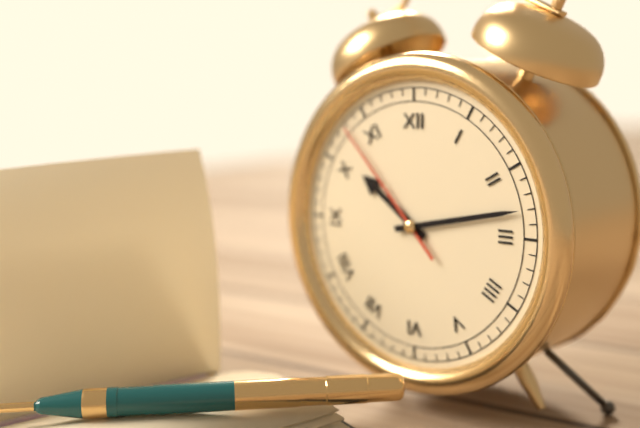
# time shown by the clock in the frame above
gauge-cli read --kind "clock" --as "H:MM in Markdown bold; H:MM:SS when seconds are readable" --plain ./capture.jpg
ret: **10:13:53**
